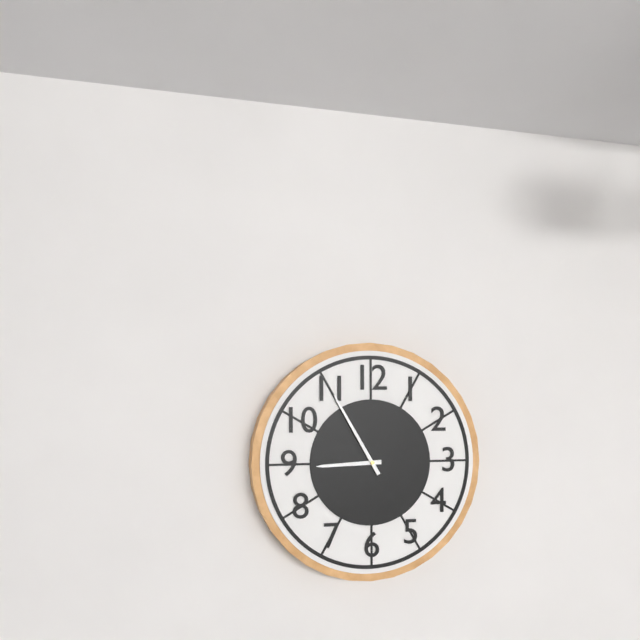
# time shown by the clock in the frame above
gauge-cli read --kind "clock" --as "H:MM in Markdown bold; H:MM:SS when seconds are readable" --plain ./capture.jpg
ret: **8:55**
